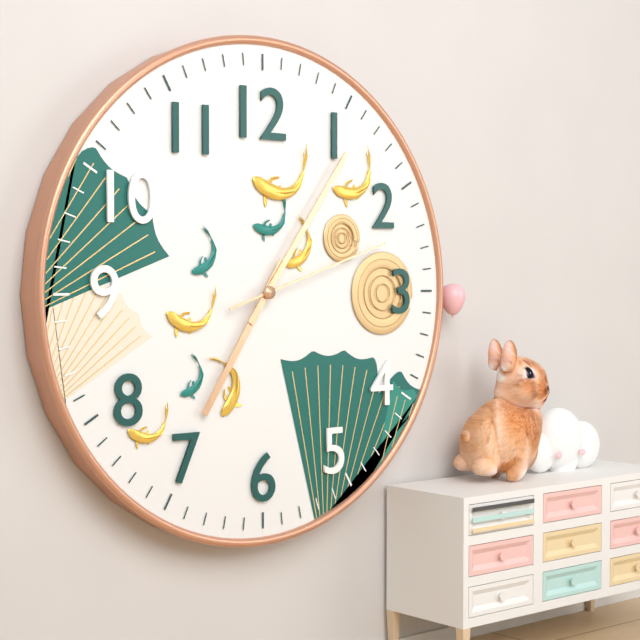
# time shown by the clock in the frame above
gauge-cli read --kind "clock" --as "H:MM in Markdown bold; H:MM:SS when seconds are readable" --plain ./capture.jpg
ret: **7:06:12**
